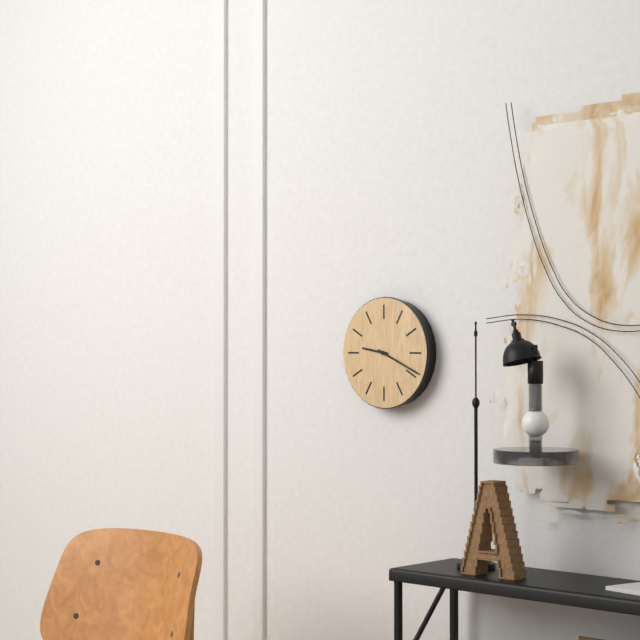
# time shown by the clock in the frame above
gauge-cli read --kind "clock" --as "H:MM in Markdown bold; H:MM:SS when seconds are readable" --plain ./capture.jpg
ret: **9:19**
